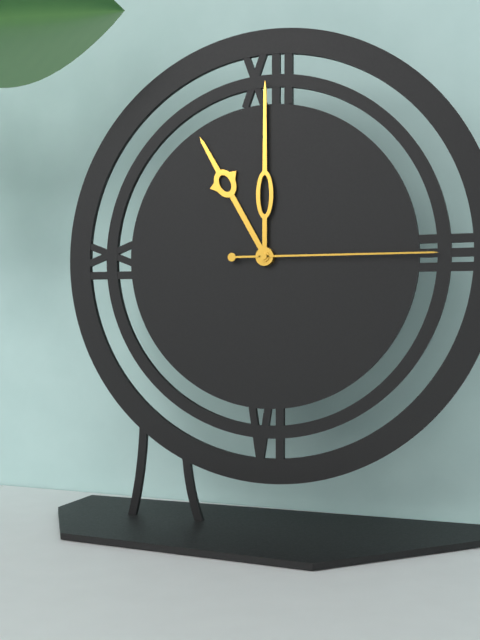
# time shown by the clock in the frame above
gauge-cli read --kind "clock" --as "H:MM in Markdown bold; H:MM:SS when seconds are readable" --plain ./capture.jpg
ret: **11:00:15**
